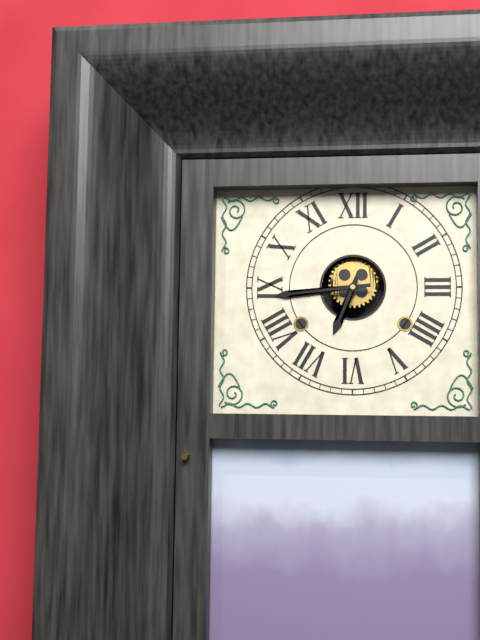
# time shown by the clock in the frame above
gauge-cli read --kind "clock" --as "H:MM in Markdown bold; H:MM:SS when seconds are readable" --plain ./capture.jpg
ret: **6:44**
